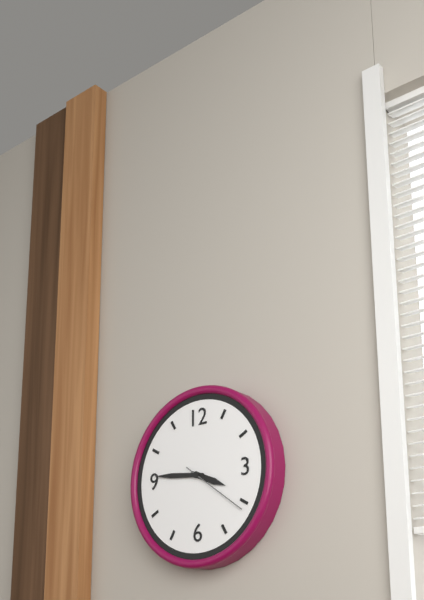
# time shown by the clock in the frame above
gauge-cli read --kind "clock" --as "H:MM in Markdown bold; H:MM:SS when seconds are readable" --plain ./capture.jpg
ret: **3:46:21**
